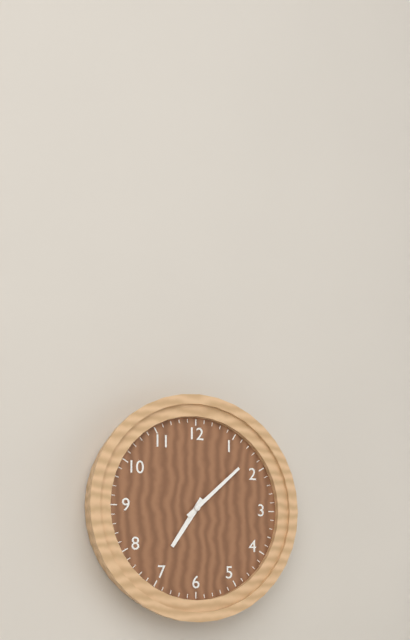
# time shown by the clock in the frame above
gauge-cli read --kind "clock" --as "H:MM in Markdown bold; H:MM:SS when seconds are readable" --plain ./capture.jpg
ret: **7:08**
